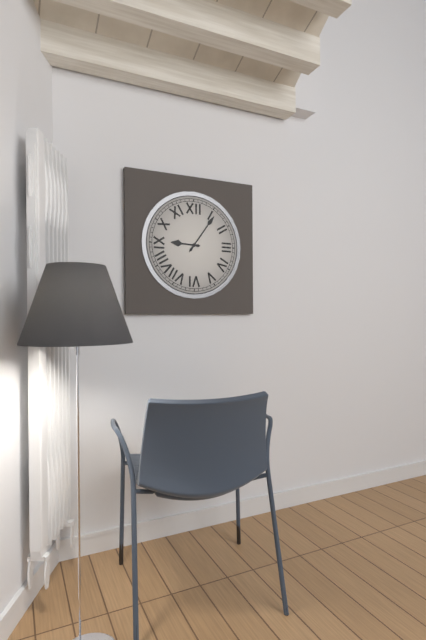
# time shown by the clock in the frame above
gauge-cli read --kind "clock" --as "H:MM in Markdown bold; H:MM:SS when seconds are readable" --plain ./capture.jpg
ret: **9:06**
